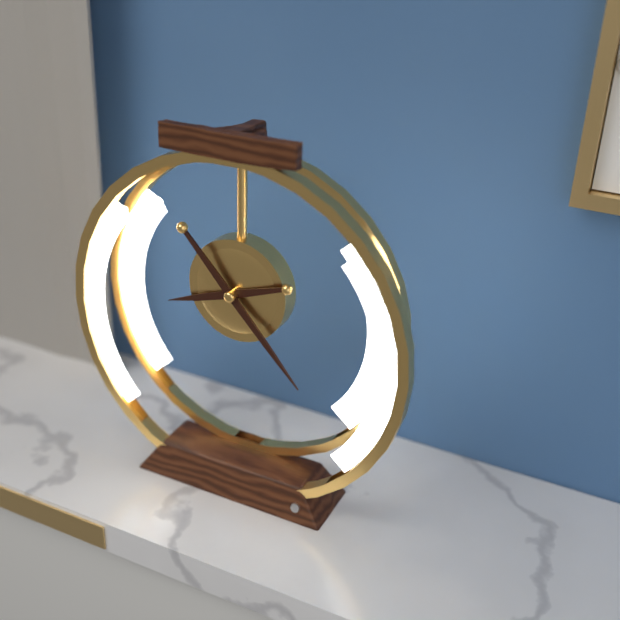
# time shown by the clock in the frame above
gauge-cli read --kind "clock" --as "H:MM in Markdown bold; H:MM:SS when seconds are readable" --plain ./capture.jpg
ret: **8:23**
